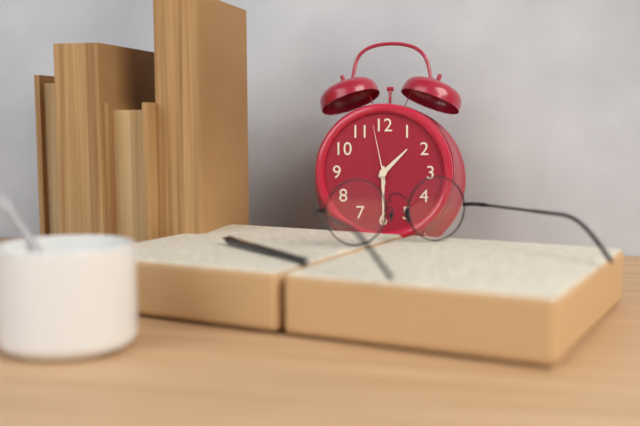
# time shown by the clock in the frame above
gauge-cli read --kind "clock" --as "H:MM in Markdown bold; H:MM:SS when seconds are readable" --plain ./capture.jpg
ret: **1:30:58**
